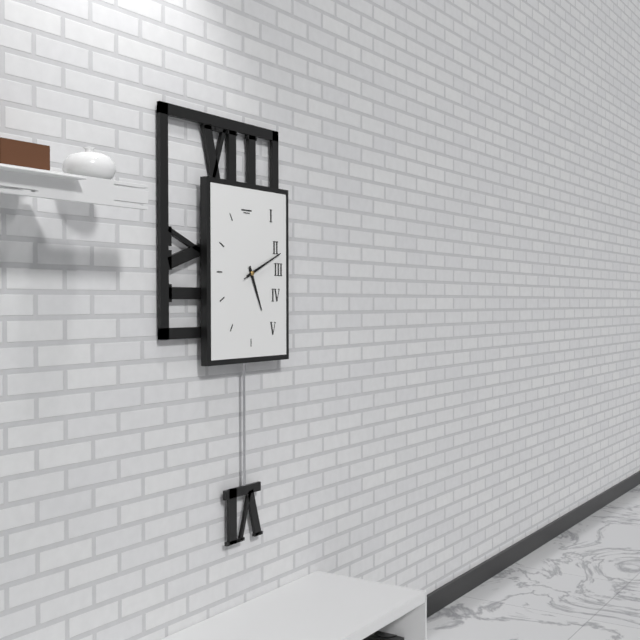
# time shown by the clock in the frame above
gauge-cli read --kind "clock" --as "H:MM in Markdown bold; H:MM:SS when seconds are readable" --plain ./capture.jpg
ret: **5:11**
